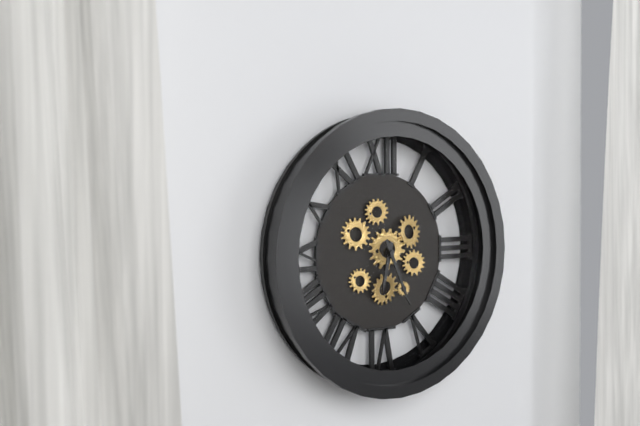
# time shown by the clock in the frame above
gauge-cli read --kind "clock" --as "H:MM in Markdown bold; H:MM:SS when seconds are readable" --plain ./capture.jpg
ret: **6:26**
